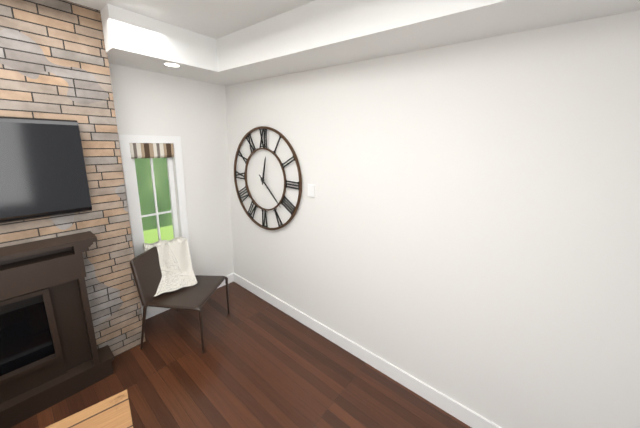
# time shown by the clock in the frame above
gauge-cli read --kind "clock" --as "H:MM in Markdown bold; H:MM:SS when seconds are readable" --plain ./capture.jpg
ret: **12:22**
